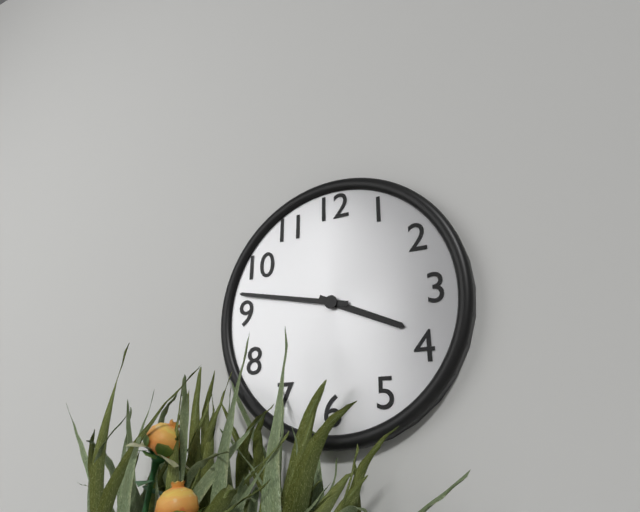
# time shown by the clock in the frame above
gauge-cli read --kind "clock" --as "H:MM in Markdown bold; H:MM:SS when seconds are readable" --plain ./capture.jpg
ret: **3:47**
